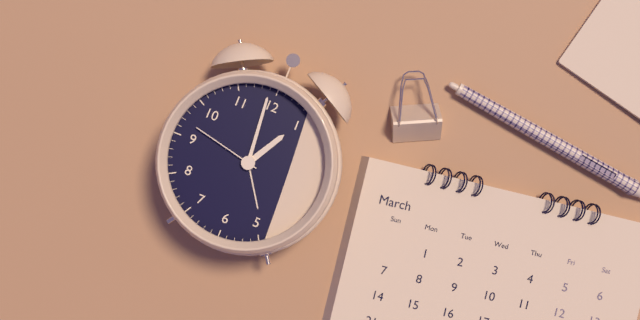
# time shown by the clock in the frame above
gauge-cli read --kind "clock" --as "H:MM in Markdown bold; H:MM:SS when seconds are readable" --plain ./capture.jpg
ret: **12:59:47**
